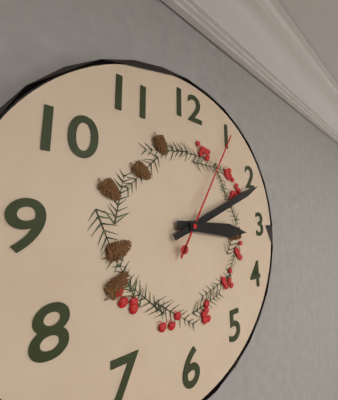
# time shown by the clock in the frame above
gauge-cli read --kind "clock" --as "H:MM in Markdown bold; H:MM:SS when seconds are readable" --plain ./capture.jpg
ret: **3:11:05**
